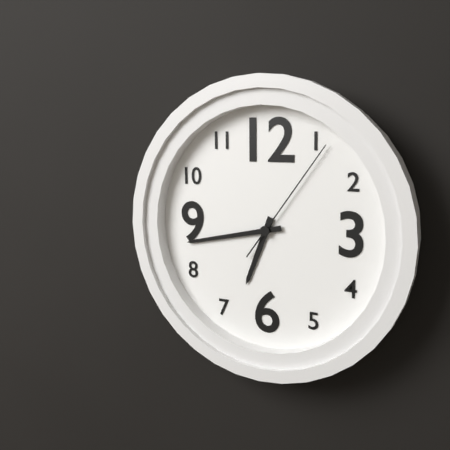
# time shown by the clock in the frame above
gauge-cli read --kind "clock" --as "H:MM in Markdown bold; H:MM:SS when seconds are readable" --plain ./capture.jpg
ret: **6:43:06**
